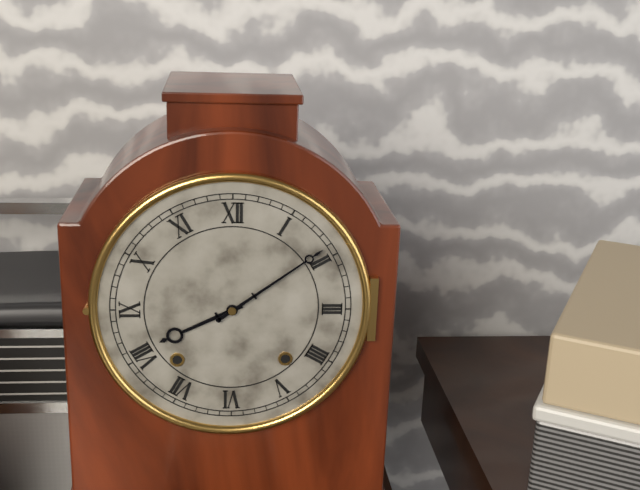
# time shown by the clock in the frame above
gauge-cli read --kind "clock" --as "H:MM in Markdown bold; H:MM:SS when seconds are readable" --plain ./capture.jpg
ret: **8:09**
